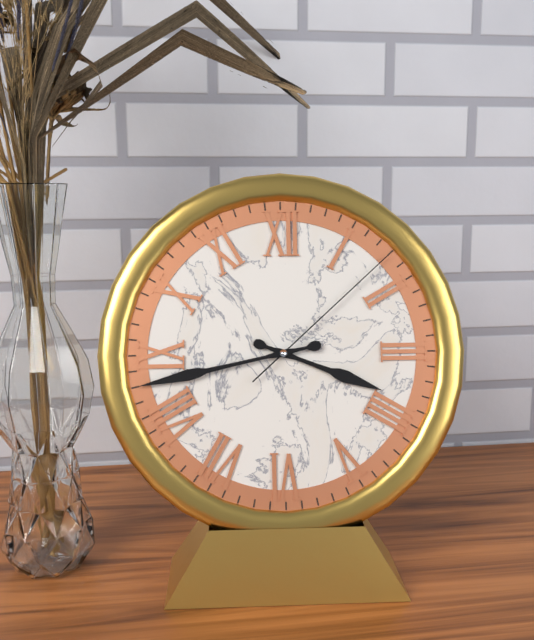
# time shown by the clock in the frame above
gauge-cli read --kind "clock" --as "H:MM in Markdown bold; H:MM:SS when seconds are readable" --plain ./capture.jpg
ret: **3:43:08**
